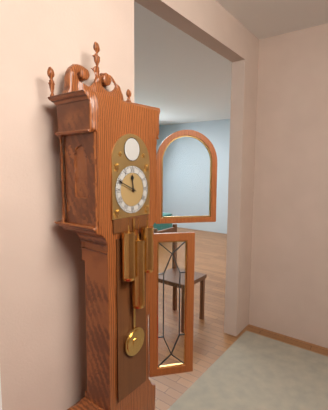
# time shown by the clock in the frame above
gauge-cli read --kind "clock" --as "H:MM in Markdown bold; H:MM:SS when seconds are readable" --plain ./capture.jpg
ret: **11:49**
